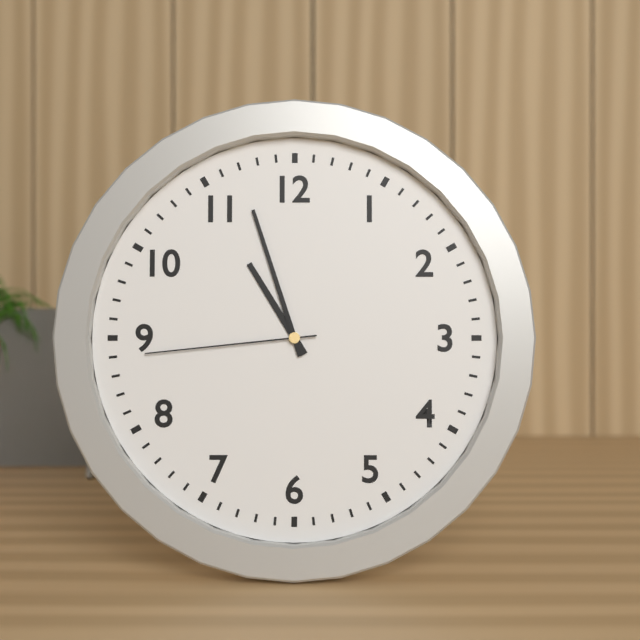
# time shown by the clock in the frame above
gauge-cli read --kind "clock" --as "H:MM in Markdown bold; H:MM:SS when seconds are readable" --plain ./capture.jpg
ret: **10:57:44**
